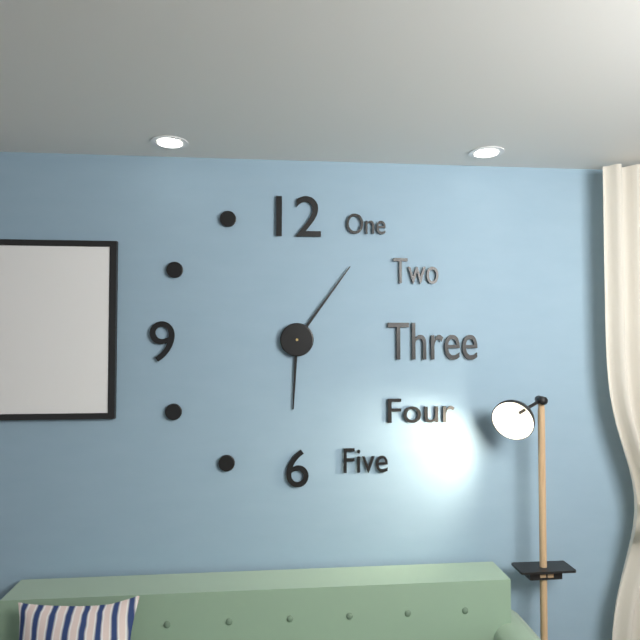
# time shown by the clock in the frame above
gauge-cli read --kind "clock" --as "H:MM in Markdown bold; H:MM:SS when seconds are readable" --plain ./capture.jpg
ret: **6:06**
